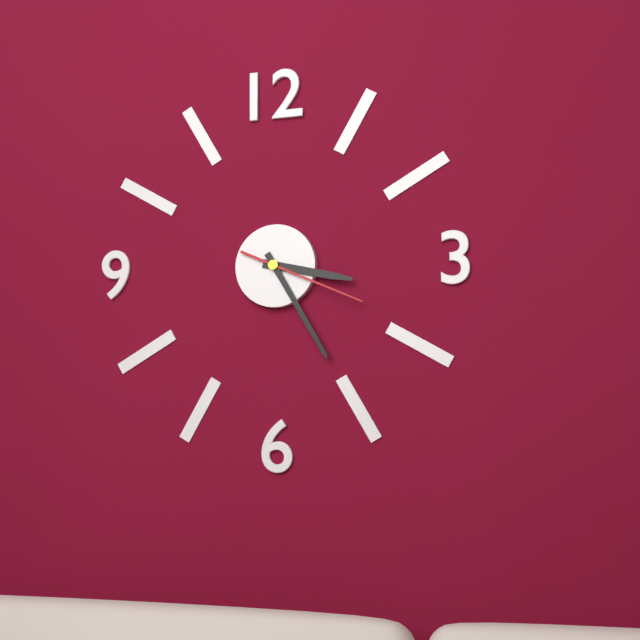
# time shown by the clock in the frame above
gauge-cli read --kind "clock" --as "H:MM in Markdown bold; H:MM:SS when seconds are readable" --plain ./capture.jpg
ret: **3:25:19**
